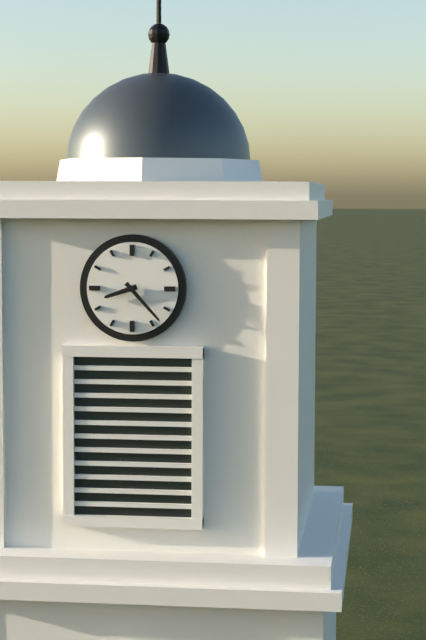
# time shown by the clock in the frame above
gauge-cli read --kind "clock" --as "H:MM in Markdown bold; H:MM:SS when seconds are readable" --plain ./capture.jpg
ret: **8:23**
